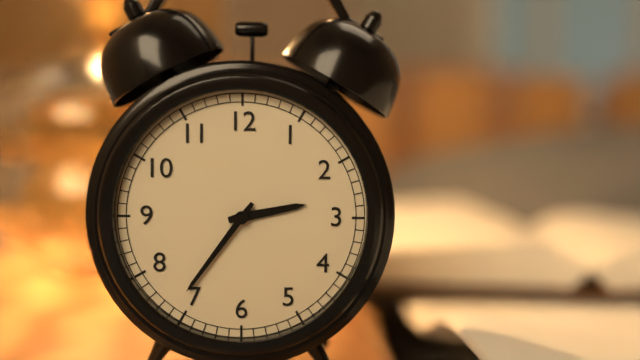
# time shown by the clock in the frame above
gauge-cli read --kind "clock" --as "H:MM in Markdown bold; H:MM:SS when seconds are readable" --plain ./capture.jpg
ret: **2:36**
